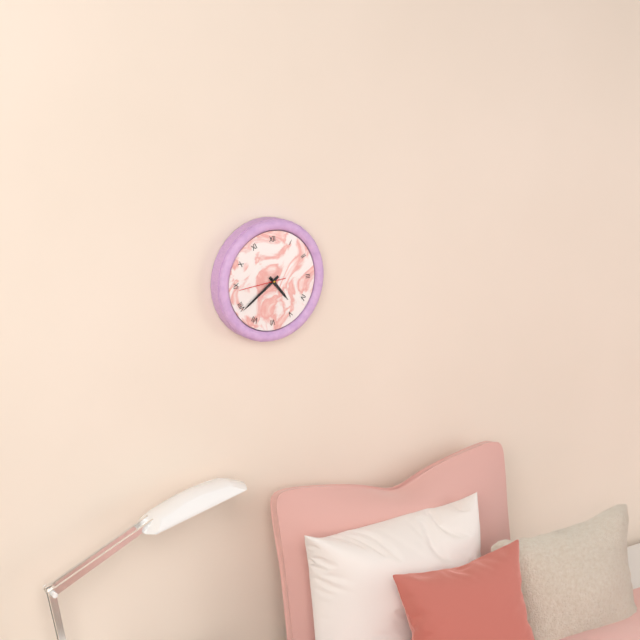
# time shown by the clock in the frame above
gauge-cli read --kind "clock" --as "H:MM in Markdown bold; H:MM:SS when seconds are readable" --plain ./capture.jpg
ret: **4:39**
